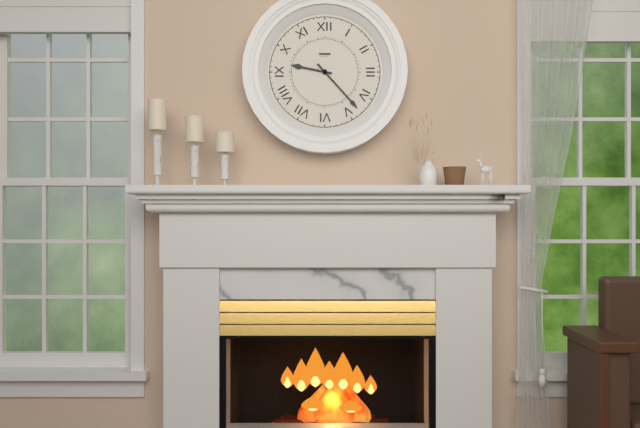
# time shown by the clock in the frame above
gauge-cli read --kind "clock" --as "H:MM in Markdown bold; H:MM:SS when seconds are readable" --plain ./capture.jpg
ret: **9:23**
